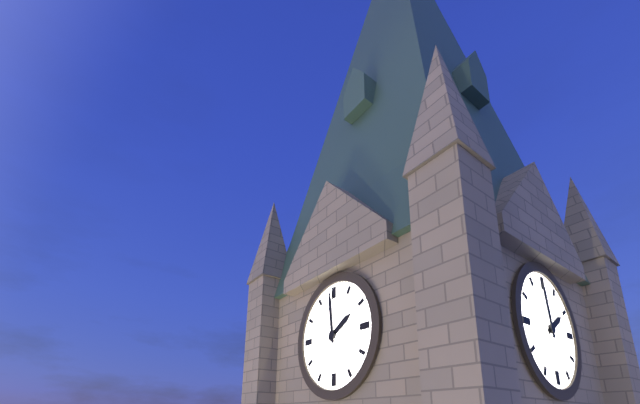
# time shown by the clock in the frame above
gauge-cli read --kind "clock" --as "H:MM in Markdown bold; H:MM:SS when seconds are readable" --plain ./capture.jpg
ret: **1:59**
